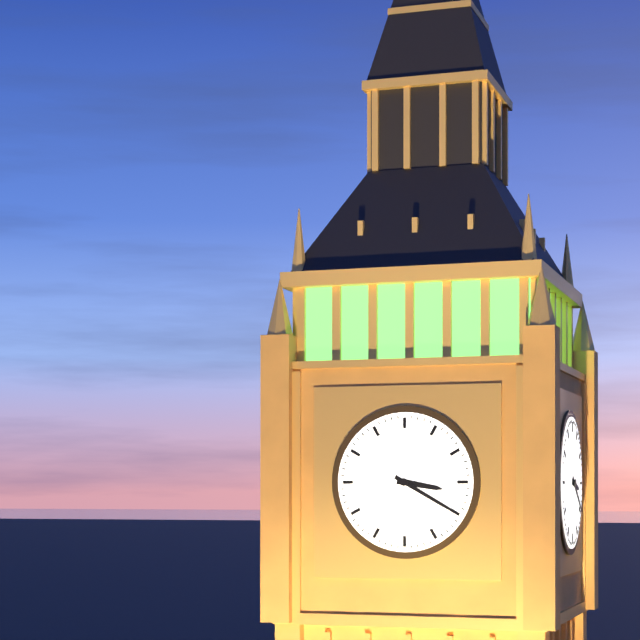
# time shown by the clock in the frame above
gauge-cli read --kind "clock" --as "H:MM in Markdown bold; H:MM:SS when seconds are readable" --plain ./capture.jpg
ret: **3:20**
